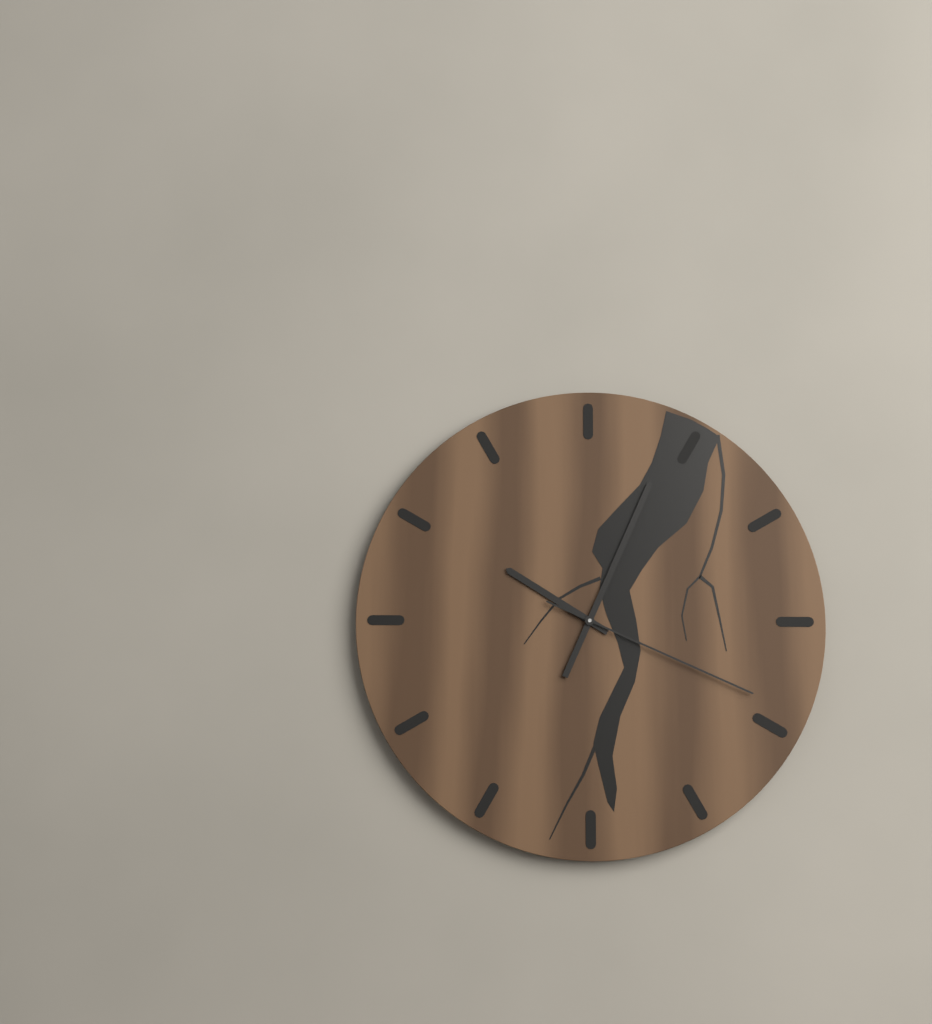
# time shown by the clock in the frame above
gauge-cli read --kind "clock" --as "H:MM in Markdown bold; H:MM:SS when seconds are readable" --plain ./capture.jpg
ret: **10:04:19**
